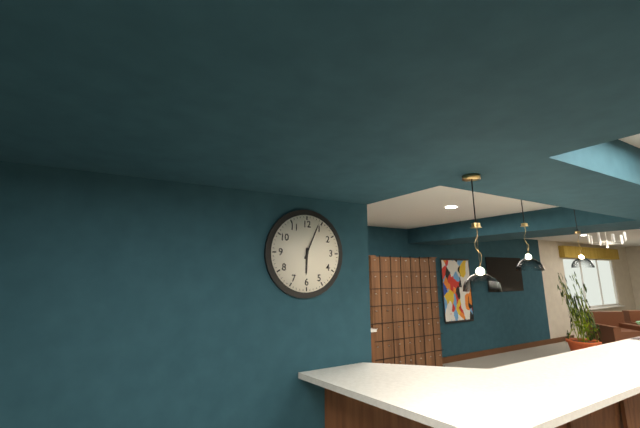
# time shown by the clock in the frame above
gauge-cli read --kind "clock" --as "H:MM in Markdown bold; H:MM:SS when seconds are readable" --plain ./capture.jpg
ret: **6:04**
